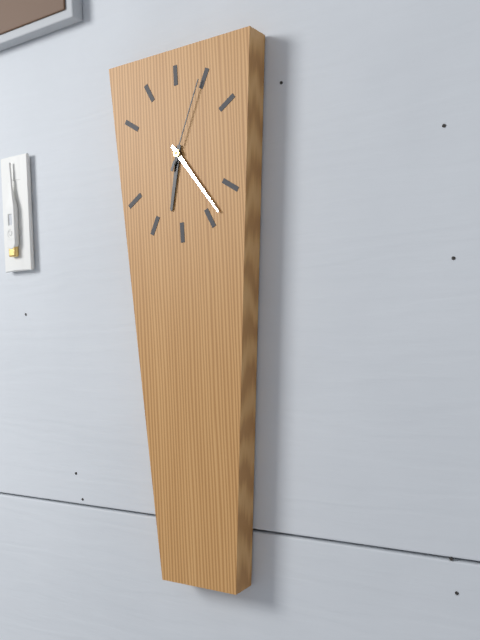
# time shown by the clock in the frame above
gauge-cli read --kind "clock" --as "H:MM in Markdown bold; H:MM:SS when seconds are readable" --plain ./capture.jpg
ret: **6:24:04**
